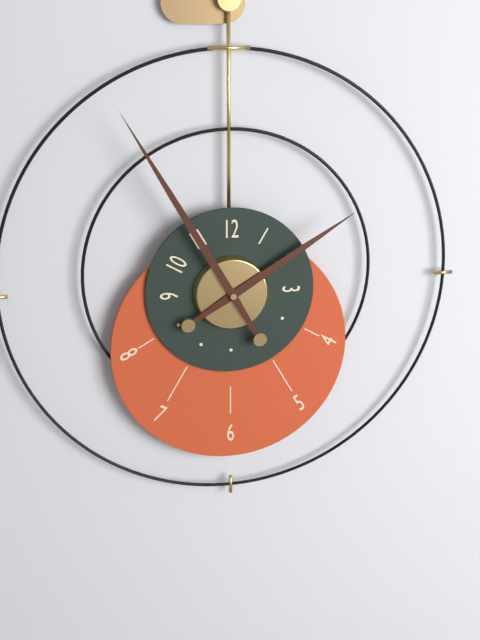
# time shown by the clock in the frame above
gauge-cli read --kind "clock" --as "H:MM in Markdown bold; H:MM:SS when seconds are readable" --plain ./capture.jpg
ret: **1:55**
